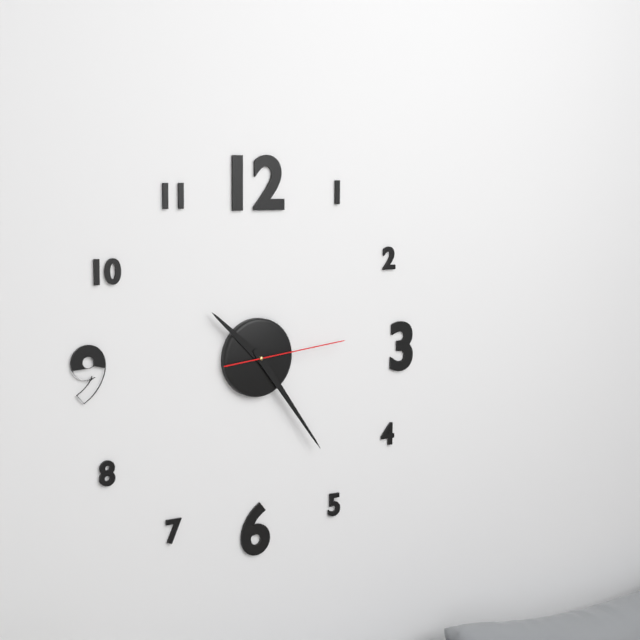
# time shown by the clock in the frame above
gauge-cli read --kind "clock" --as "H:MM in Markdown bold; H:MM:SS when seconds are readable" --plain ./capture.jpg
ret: **10:24:14**
